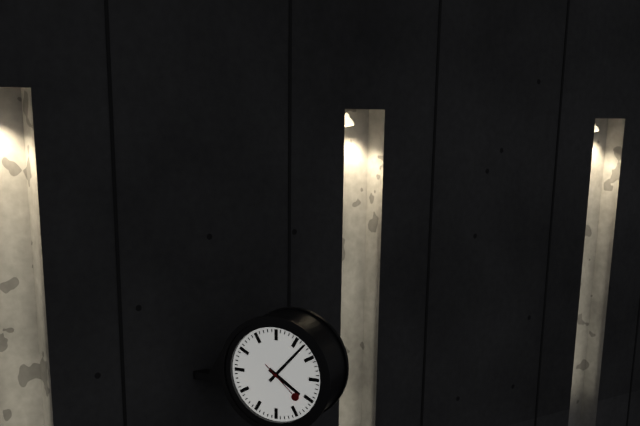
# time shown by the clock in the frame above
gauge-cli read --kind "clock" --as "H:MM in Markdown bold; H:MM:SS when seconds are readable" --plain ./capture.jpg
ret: **4:07**
